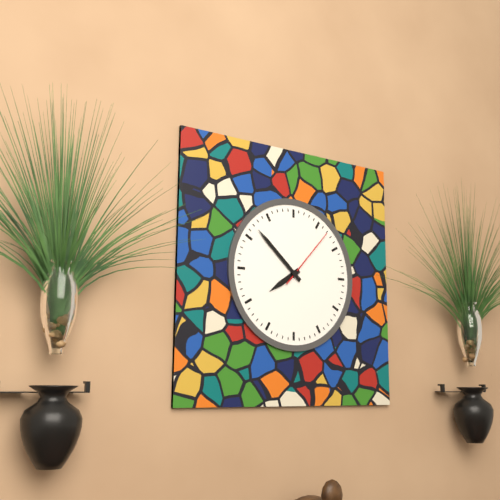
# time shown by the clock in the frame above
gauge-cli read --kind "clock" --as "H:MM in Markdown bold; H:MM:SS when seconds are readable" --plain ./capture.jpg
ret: **7:52:07**
